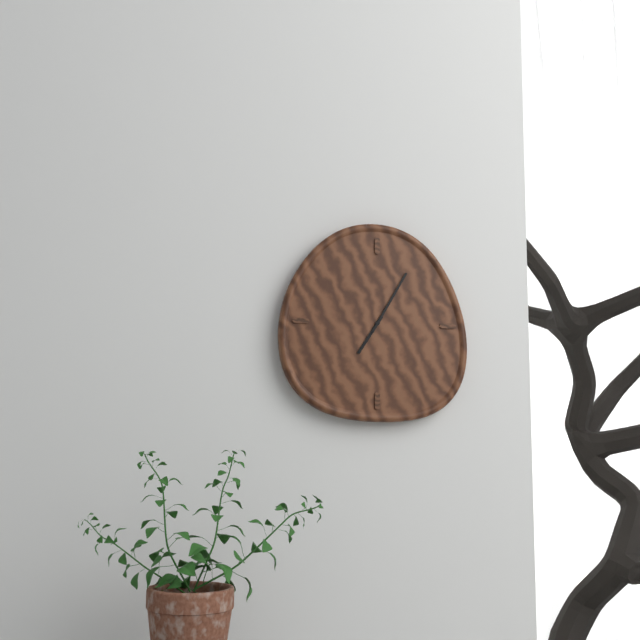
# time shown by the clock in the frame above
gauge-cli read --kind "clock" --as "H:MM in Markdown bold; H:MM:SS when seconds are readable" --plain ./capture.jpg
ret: **7:05**
